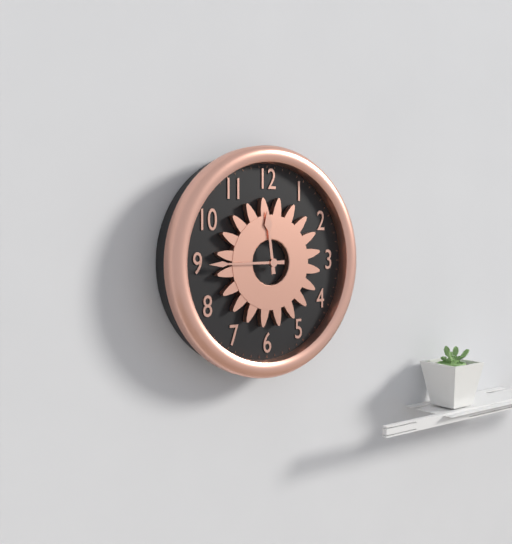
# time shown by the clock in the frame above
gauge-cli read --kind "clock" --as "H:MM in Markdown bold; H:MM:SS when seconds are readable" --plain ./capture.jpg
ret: **11:45**
